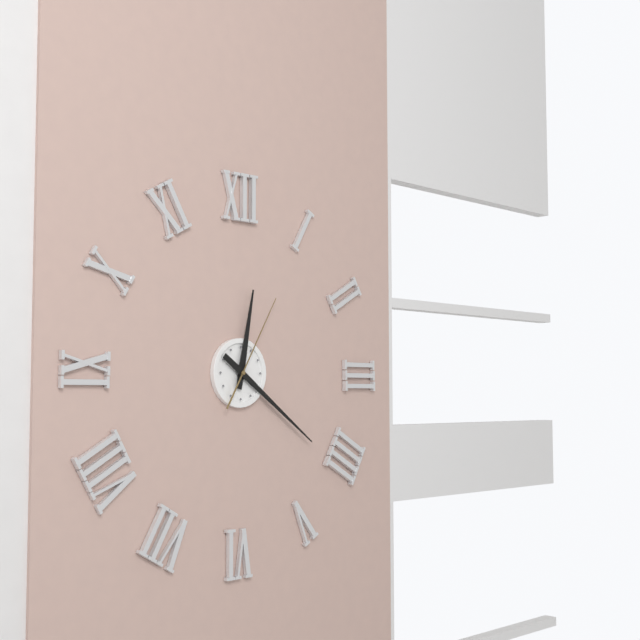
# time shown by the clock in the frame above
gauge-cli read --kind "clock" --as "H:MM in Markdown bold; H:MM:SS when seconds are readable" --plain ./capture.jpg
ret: **12:21:05**
